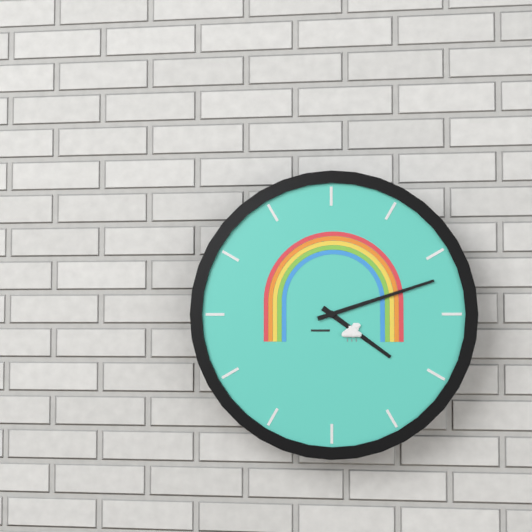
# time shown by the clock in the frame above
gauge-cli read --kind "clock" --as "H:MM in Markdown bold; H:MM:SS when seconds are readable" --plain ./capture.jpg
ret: **4:12**
